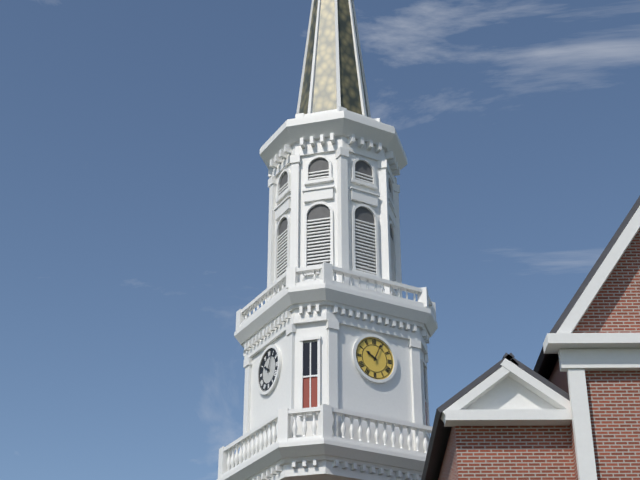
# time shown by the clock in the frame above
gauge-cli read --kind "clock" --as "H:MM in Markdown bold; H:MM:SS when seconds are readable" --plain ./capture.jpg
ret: **10:04**
